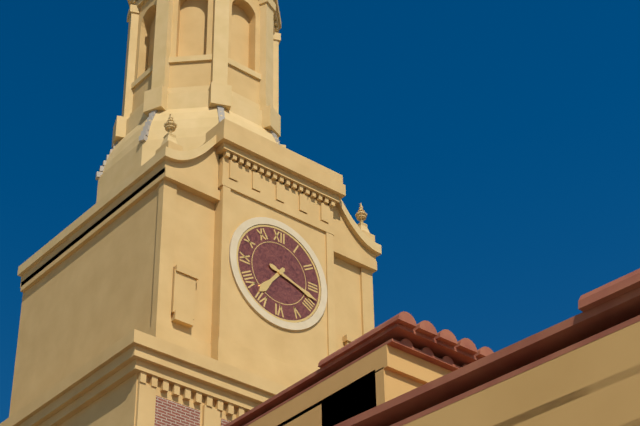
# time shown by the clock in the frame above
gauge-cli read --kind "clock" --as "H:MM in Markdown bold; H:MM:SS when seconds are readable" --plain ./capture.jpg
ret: **7:18**
